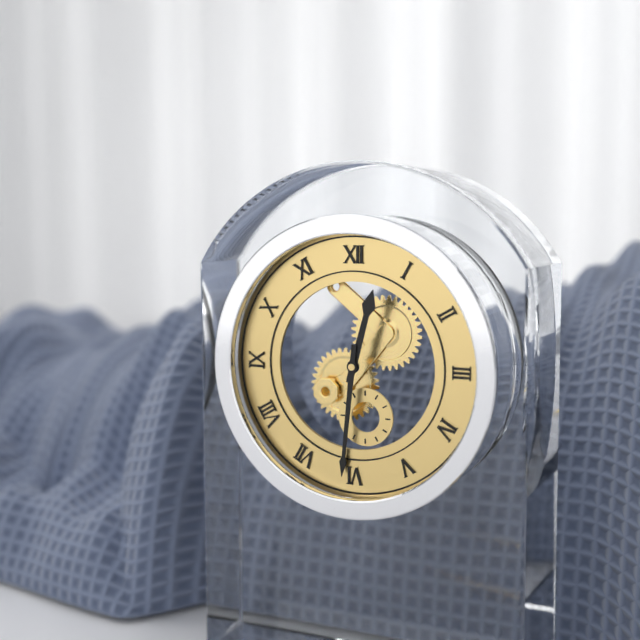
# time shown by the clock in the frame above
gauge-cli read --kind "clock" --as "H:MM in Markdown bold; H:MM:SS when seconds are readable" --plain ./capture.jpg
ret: **12:31**
